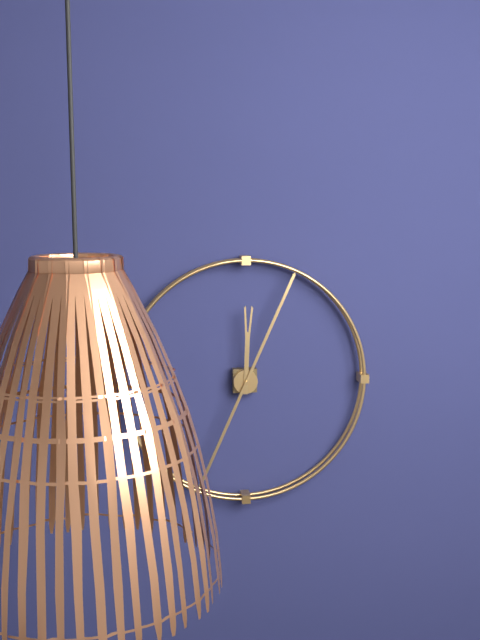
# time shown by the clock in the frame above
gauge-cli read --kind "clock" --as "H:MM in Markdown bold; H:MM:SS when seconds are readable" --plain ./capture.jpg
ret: **12:04**
